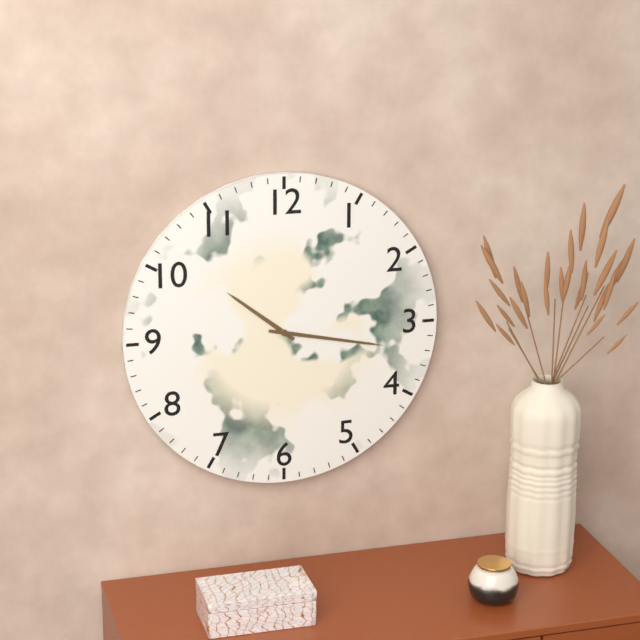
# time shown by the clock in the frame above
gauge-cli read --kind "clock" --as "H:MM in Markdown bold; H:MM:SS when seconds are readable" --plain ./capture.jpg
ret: **10:17**
